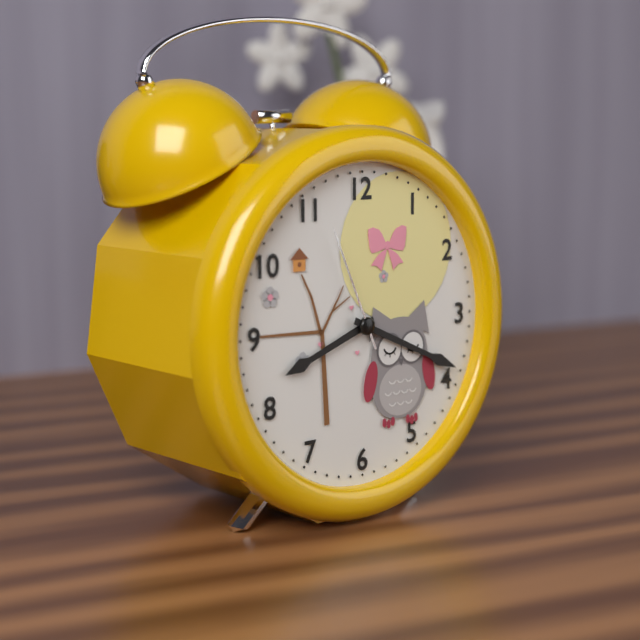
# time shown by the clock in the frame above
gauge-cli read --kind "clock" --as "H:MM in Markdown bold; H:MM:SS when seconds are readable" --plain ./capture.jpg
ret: **8:19:56**
